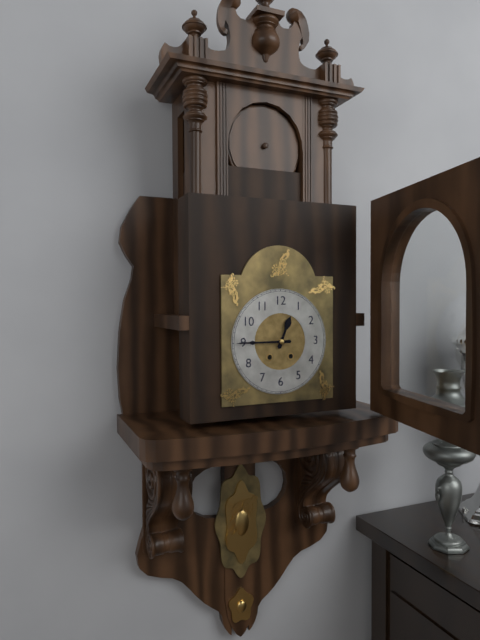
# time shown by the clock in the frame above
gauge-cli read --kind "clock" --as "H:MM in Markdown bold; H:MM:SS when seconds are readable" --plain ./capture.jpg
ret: **12:45**
